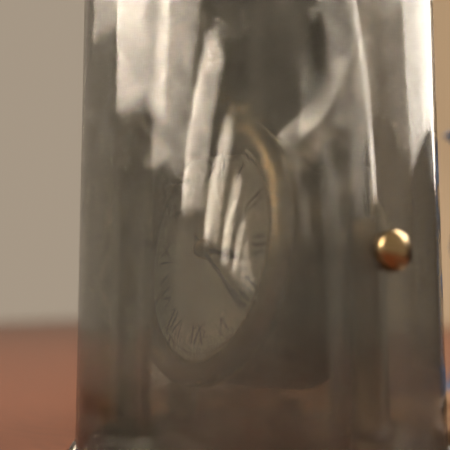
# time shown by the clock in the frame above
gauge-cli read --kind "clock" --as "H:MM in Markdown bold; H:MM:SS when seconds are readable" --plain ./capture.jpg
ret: **3:21**
